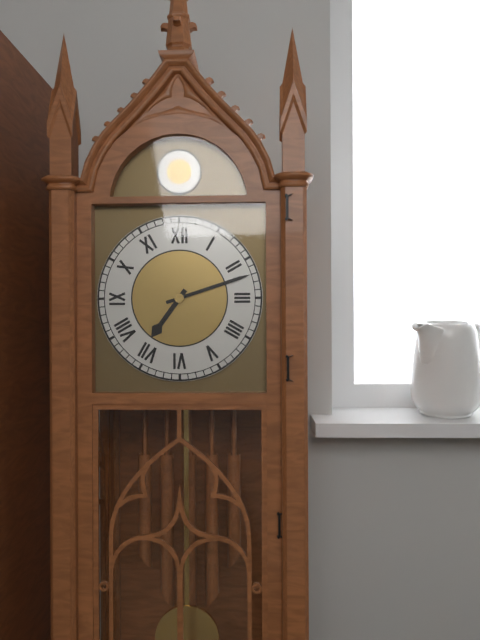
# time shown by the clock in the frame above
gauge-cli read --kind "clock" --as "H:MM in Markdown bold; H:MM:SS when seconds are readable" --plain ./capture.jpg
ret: **7:12**
